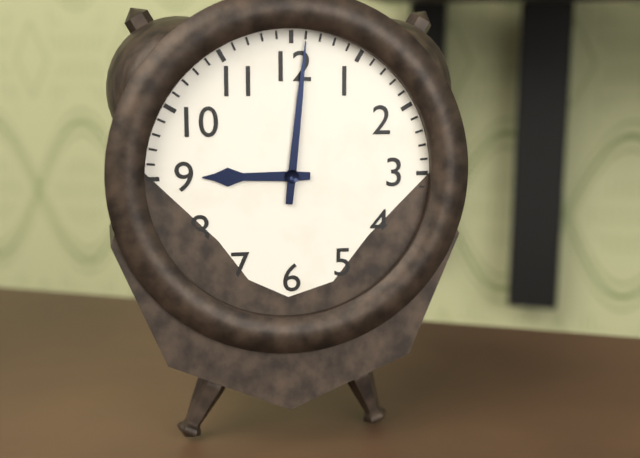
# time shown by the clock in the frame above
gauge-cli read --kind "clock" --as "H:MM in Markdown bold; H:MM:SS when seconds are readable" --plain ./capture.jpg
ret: **9:01**
